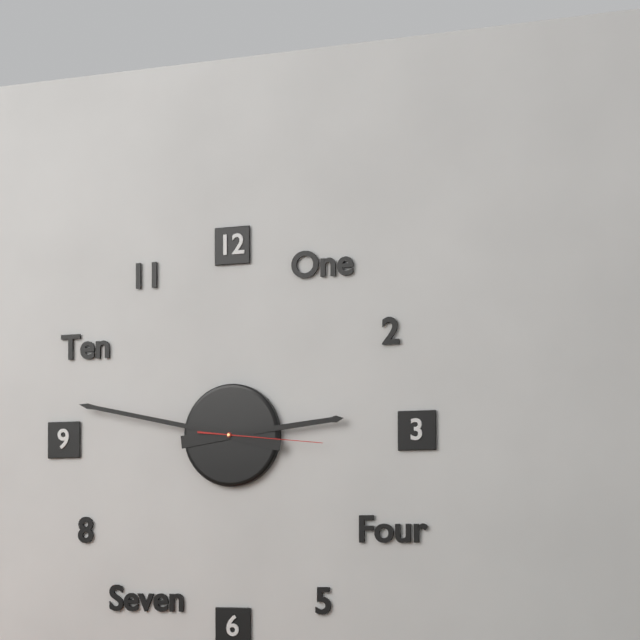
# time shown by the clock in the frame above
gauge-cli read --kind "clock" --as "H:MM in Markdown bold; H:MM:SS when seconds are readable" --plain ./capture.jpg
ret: **2:47:16**
